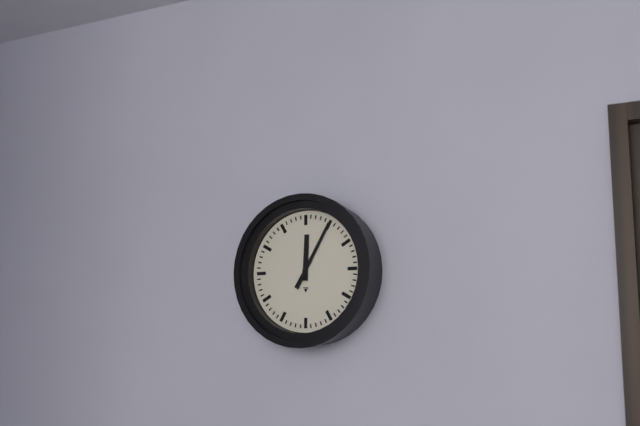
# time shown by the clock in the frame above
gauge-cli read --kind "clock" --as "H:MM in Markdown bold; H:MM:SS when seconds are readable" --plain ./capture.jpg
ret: **12:05**
